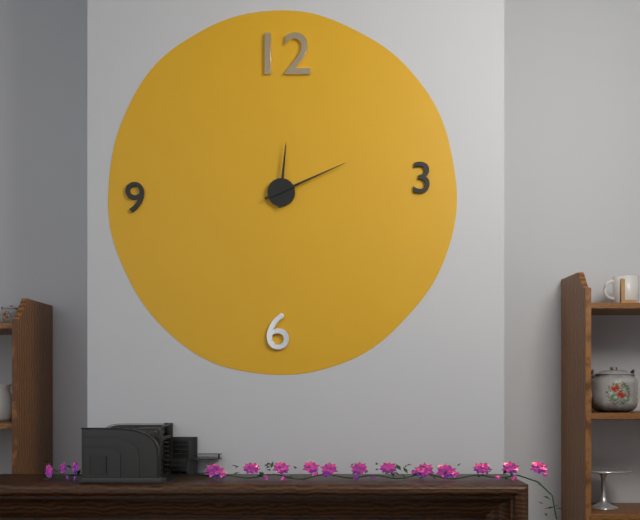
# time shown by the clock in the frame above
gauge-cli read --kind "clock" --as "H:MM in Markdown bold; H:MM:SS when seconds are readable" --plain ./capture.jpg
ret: **12:11**
